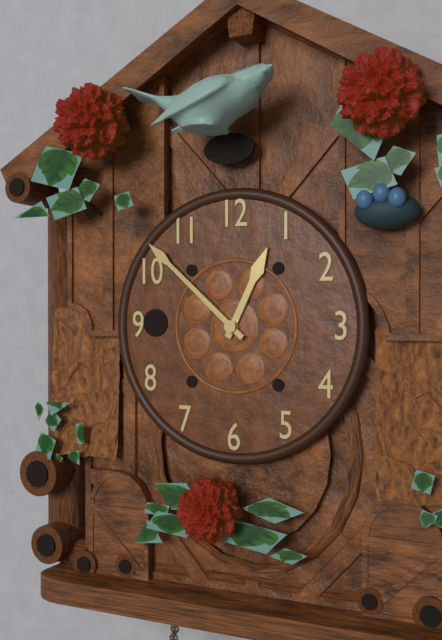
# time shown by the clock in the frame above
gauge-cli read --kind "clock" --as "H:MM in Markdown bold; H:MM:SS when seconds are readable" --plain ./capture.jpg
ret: **12:52**
